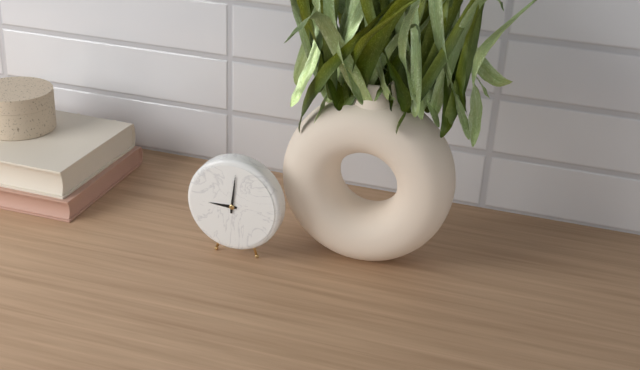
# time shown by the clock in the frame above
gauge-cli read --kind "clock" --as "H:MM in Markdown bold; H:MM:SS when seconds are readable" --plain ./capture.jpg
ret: **9:01**
